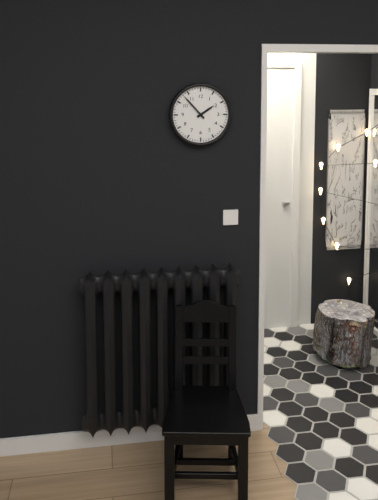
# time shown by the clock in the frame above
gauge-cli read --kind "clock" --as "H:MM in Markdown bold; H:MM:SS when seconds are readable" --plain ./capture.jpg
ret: **1:53**
